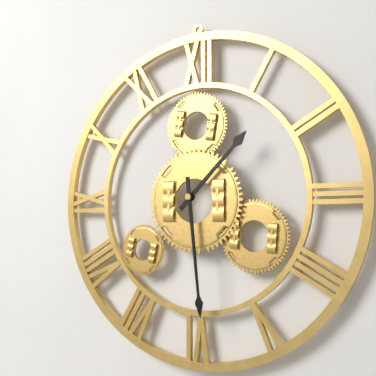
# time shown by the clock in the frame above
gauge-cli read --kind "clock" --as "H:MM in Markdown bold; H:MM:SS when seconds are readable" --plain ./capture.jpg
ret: **1:29**
